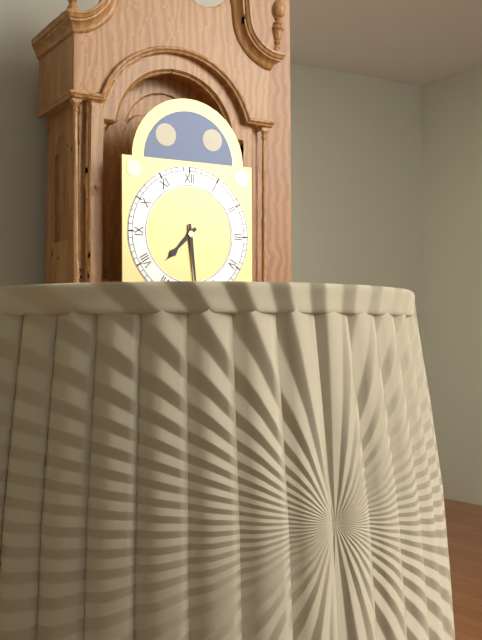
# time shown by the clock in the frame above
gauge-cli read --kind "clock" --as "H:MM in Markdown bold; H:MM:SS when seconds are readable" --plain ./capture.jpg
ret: **7:29**
